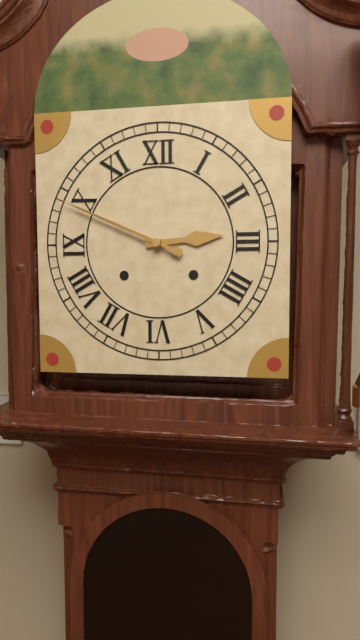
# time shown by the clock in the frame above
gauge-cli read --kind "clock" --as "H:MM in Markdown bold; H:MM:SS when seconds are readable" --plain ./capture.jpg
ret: **2:49**
